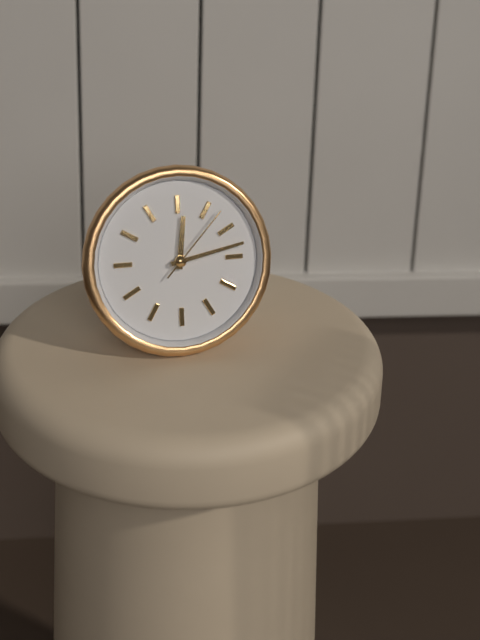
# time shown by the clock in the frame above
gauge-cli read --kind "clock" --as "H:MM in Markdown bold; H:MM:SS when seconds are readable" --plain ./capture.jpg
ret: **12:13:07**
